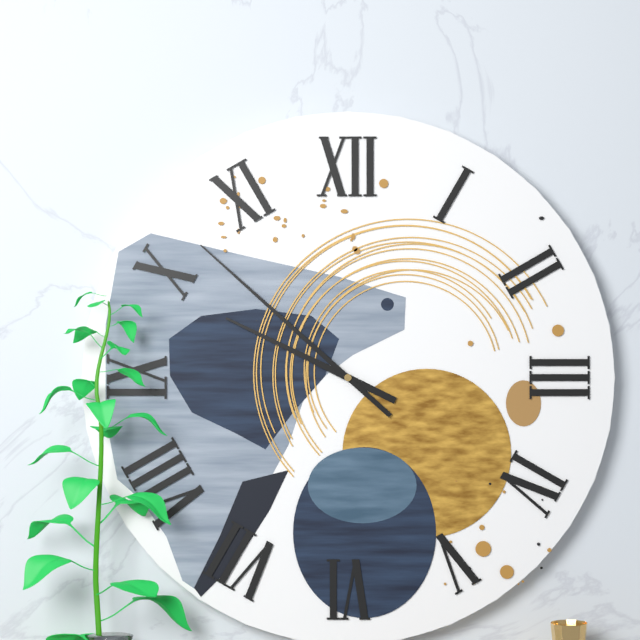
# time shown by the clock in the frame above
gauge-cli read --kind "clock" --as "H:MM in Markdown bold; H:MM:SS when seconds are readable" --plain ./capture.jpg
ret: **9:52**
